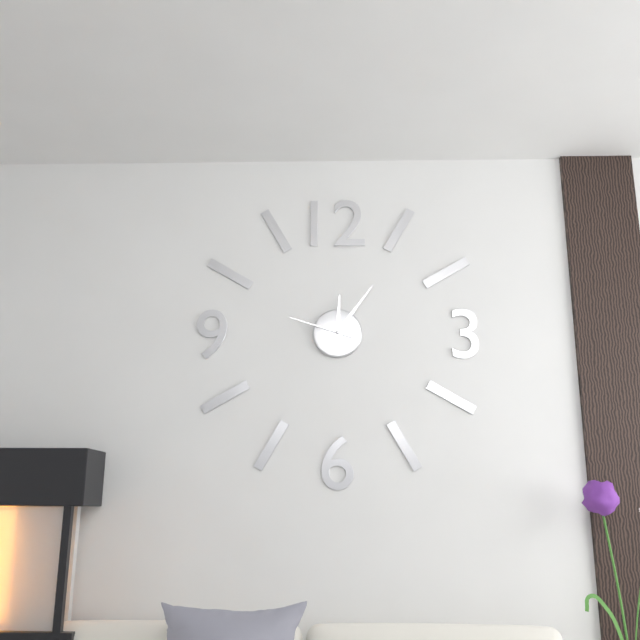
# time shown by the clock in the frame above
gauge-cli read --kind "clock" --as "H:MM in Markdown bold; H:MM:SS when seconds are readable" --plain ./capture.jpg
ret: **12:06:48**
